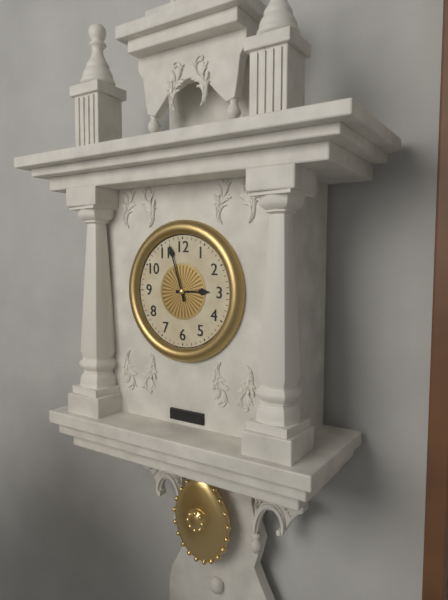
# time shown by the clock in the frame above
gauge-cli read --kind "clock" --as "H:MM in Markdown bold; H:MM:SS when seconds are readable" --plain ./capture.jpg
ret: **2:57**
